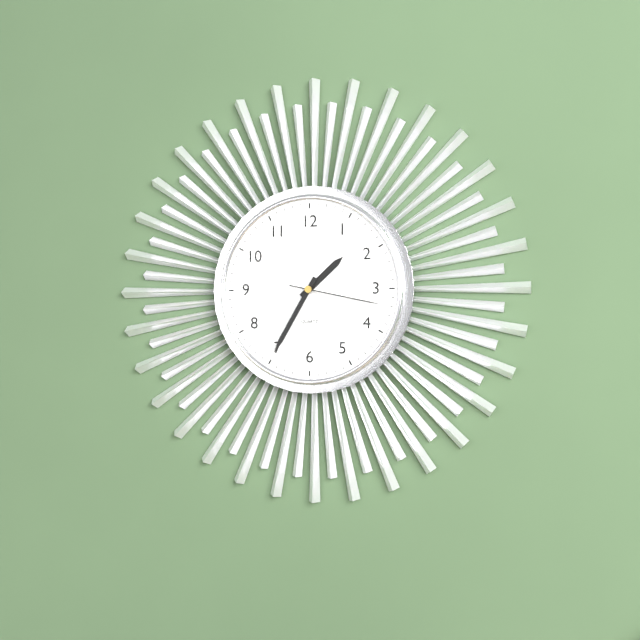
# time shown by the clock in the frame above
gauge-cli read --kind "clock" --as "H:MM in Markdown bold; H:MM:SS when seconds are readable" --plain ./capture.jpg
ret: **1:35:17**
